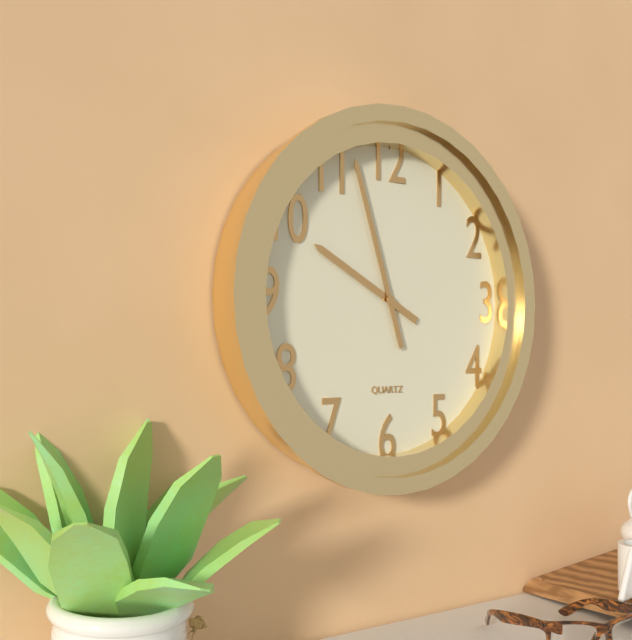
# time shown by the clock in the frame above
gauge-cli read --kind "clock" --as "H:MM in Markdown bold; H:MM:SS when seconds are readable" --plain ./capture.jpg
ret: **9:57**
